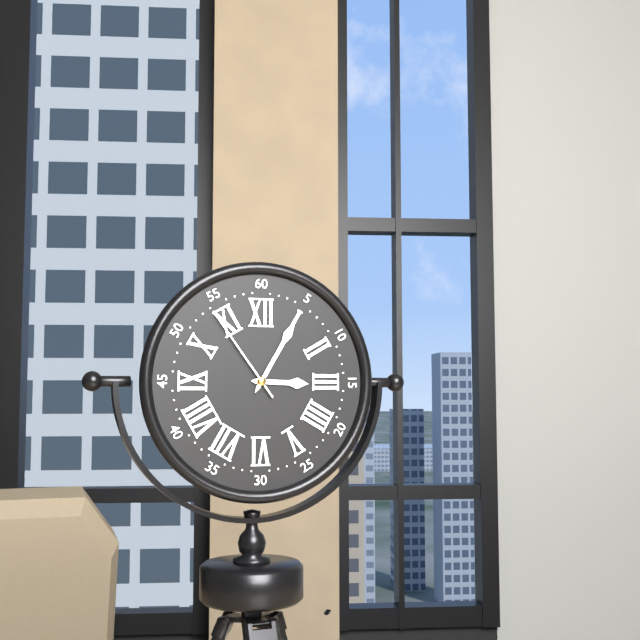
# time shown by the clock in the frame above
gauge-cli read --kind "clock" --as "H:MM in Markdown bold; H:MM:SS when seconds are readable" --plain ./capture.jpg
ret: **3:05:54**
